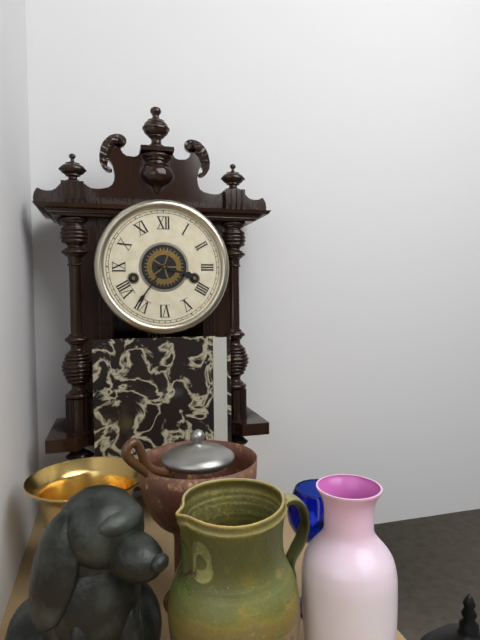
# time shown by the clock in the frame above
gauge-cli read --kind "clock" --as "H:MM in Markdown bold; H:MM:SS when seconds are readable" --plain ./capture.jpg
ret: **3:36**
